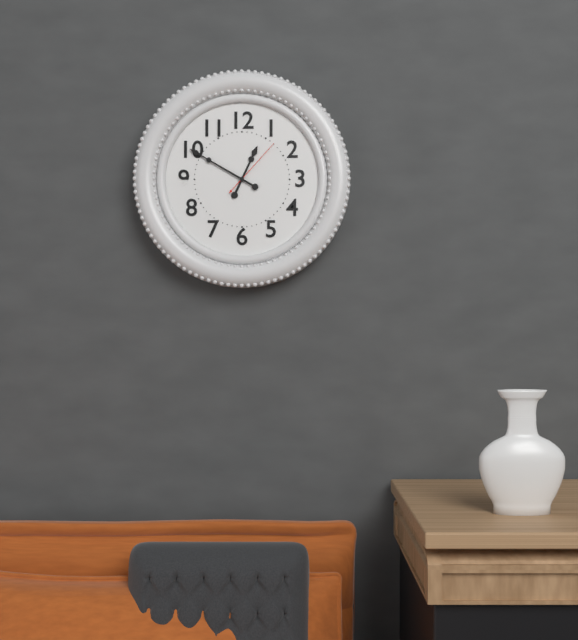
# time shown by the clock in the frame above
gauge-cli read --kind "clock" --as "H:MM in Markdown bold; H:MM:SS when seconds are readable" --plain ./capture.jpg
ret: **12:50:07**
